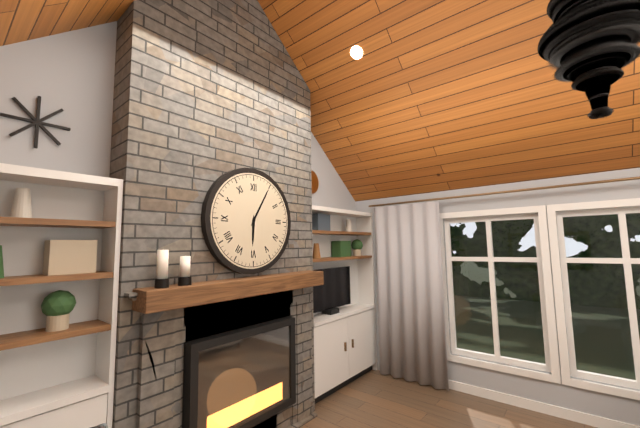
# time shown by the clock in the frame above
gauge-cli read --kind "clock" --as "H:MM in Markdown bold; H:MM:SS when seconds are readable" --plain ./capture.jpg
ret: **6:05**
